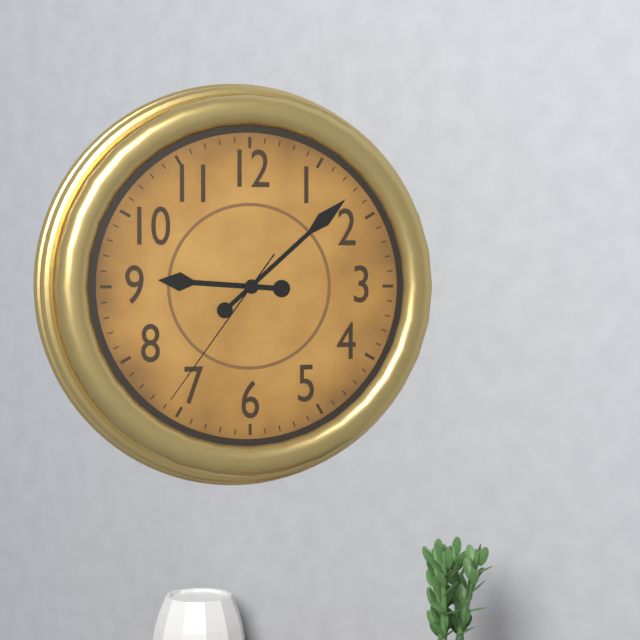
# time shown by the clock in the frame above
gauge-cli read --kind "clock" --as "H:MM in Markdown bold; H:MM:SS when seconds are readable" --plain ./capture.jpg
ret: **9:08:36**
